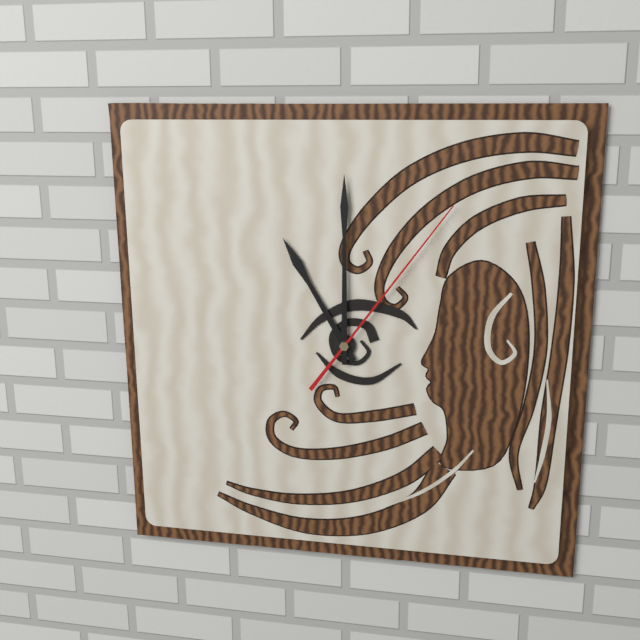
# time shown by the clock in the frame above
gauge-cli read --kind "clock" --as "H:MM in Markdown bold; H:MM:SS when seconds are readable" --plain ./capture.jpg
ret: **11:00:06**
